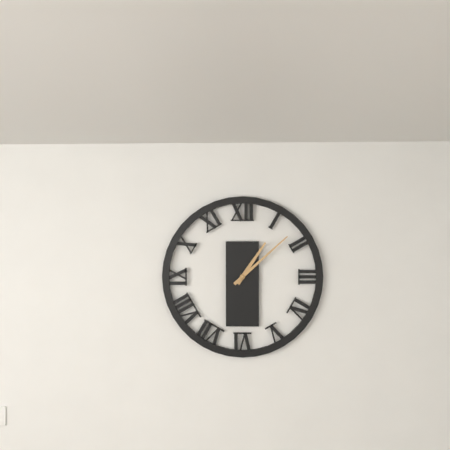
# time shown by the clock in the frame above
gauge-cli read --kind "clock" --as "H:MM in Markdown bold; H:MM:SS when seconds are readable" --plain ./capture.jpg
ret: **1:08**
